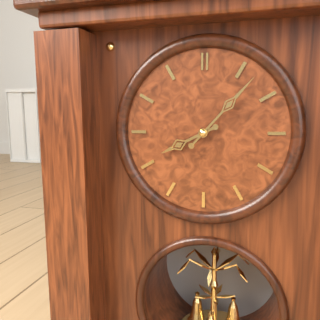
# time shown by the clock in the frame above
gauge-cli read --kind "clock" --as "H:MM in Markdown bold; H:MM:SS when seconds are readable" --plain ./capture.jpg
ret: **8:07**
